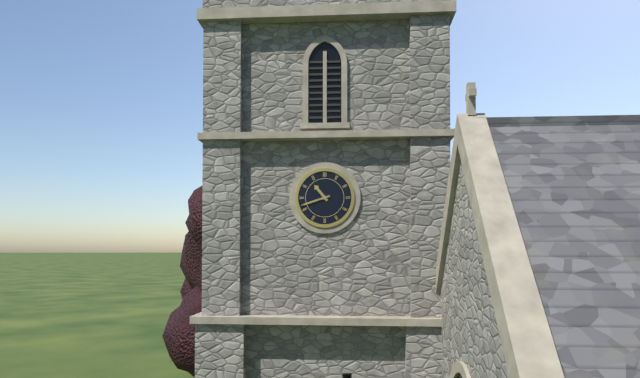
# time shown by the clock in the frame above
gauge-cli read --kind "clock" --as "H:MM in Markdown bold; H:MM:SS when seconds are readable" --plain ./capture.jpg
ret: **10:42**
